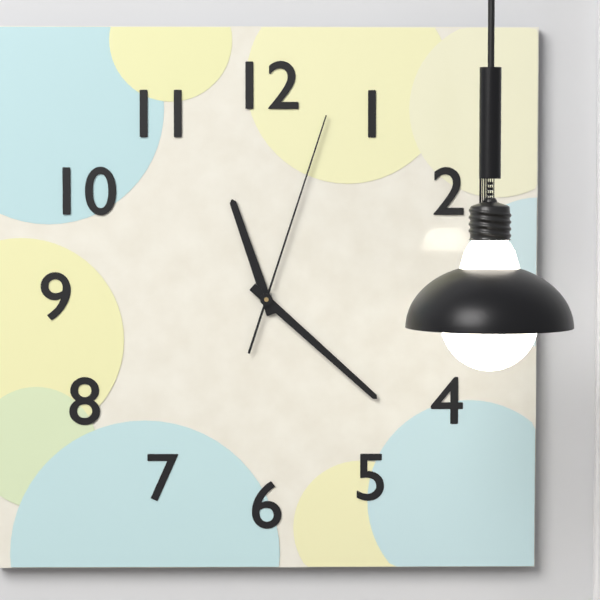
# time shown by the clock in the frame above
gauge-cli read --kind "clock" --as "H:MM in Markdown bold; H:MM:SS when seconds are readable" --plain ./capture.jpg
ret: **11:22:03**
